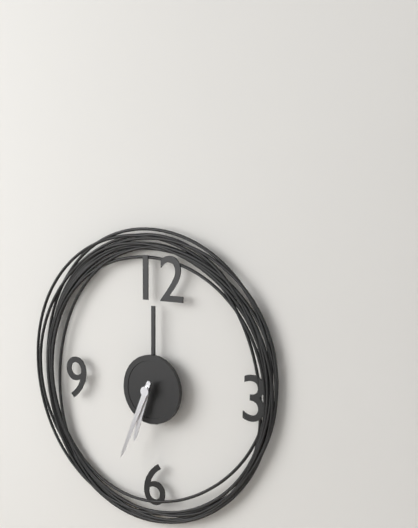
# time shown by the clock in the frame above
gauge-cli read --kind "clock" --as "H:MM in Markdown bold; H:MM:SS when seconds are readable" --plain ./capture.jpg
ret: **6:34**
